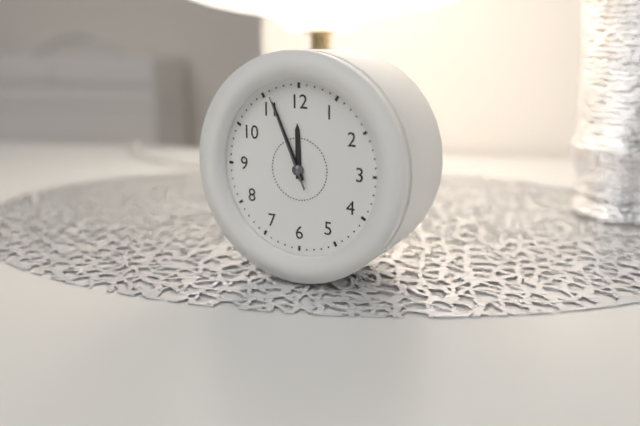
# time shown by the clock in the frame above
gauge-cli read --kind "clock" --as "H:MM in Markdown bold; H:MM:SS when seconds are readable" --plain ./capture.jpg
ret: **11:56:56**
